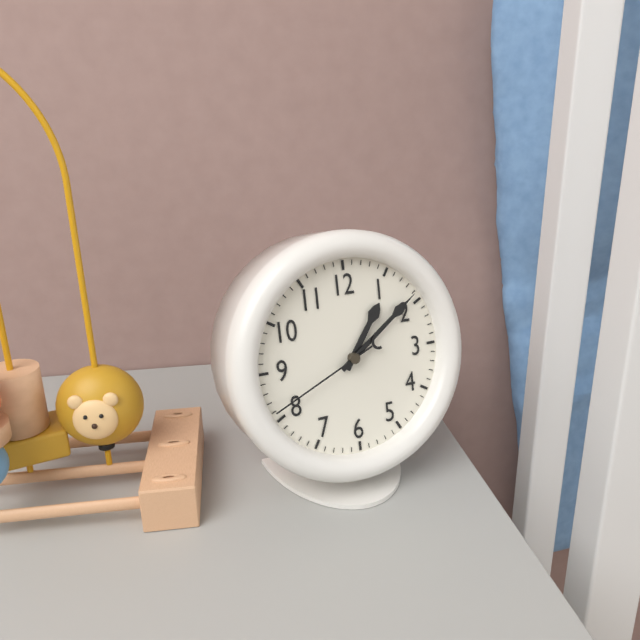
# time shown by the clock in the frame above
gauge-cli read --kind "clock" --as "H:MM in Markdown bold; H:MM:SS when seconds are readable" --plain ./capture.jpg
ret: **1:09:41**
